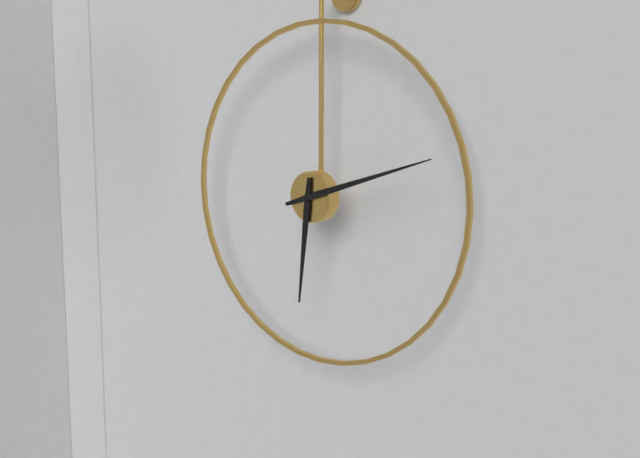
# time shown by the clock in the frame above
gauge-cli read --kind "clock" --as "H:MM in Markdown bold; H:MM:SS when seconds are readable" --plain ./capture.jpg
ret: **6:12**
